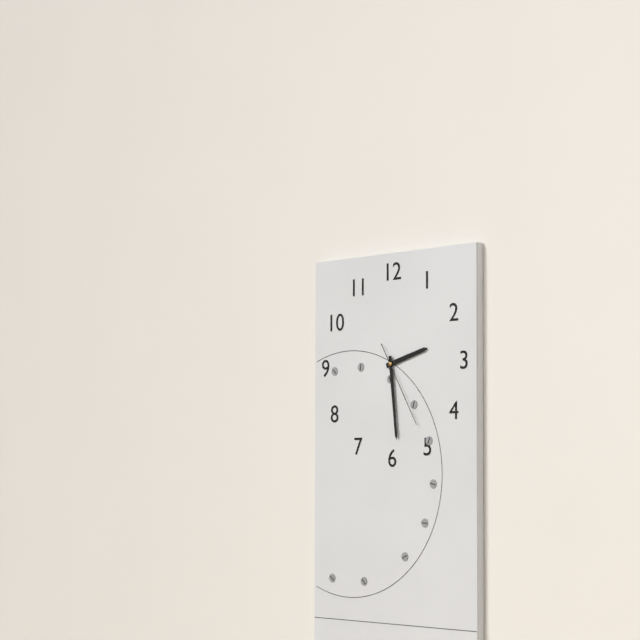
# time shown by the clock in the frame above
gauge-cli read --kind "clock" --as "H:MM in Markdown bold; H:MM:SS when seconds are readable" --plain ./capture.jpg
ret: **2:29:25**
